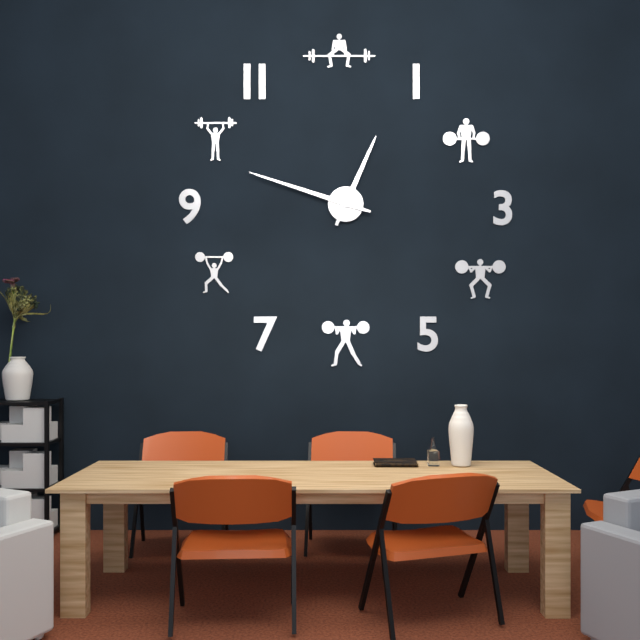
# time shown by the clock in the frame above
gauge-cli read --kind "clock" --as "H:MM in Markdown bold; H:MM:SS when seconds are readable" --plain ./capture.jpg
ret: **12:48**
